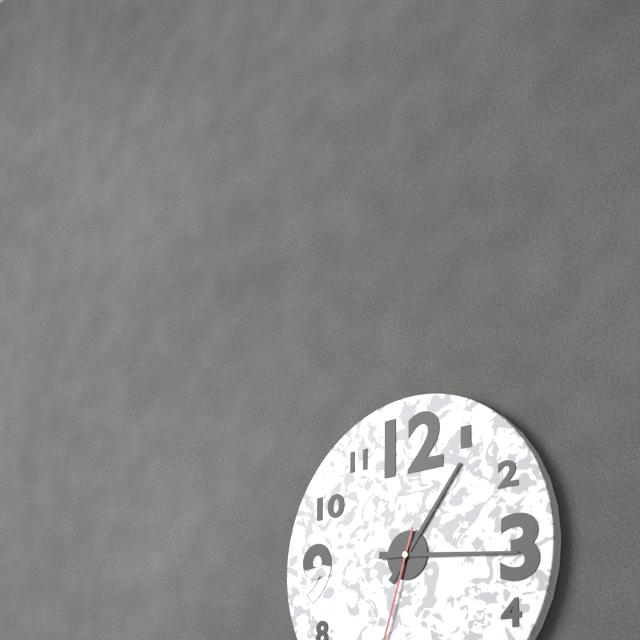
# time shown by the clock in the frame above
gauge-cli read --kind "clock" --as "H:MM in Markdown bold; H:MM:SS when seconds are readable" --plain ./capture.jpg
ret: **1:16**
